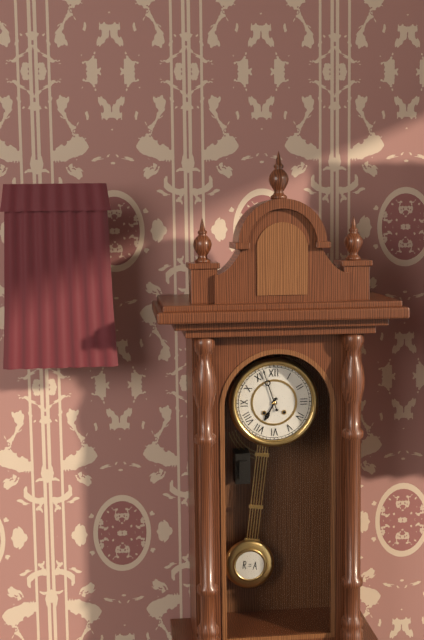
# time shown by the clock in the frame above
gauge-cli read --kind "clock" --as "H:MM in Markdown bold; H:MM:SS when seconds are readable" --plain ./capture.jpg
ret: **6:57**
